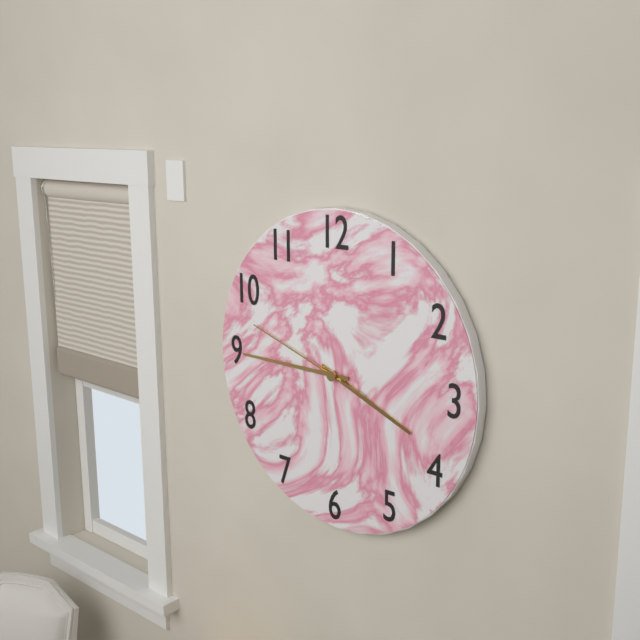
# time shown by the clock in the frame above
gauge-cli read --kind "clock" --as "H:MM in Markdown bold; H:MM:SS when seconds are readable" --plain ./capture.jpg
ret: **3:45:48**
